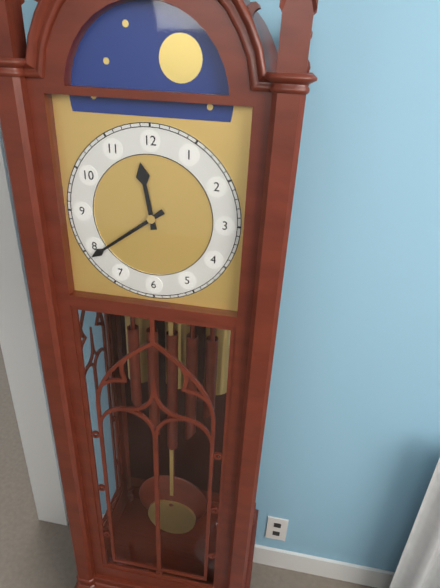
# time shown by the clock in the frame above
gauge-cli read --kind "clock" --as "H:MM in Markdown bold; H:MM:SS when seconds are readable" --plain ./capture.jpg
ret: **11:39**
